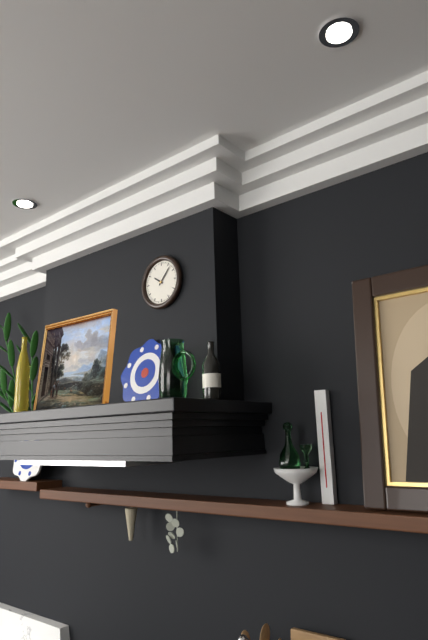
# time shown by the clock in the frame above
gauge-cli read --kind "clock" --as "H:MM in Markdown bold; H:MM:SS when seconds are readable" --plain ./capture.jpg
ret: **10:07**
